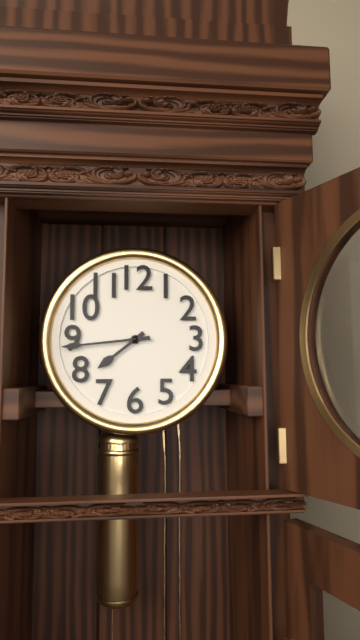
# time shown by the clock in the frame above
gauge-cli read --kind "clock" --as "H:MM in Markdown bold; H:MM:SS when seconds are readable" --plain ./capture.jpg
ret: **7:44**
